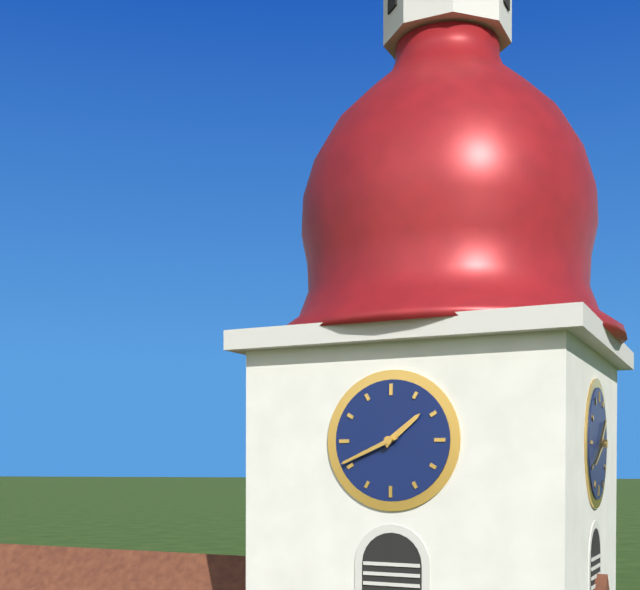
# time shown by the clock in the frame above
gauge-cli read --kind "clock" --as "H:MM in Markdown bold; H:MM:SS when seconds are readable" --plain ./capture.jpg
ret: **1:41**
